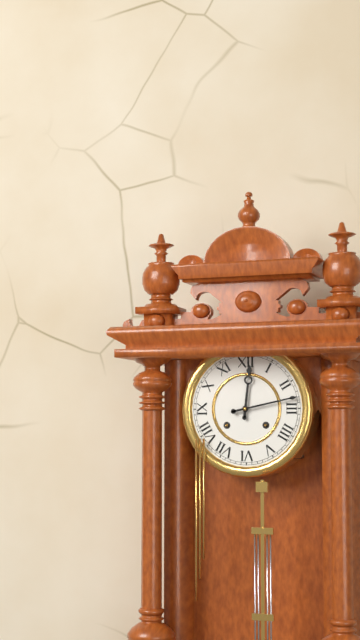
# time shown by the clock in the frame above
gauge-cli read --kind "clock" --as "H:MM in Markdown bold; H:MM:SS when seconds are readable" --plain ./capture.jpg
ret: **12:13**
